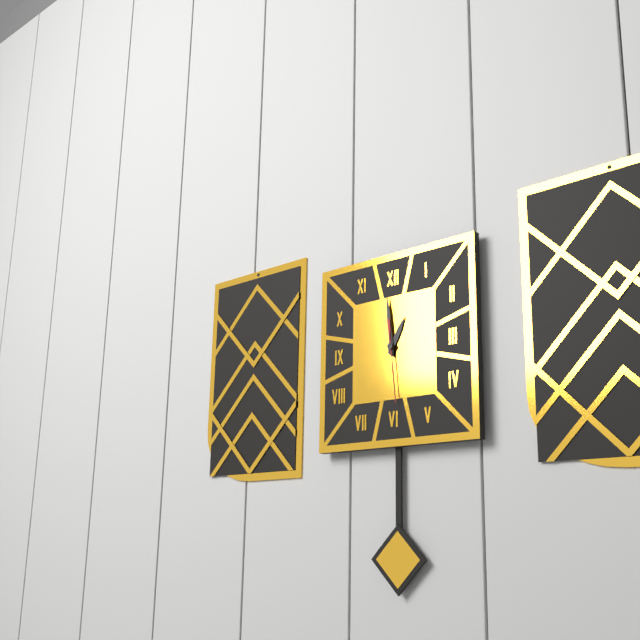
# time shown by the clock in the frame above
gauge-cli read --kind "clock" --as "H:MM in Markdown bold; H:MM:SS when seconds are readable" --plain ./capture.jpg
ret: **12:59:29**
